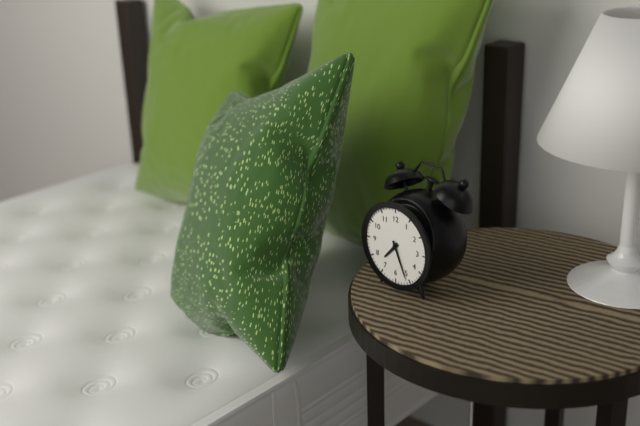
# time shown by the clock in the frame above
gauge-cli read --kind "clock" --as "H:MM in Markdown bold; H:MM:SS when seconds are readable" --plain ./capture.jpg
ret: **7:26**
